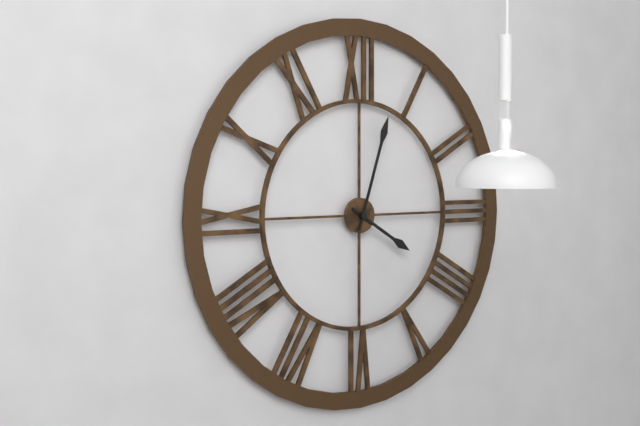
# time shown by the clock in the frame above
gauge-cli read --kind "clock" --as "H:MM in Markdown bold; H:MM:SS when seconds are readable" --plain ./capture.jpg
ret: **4:03**
